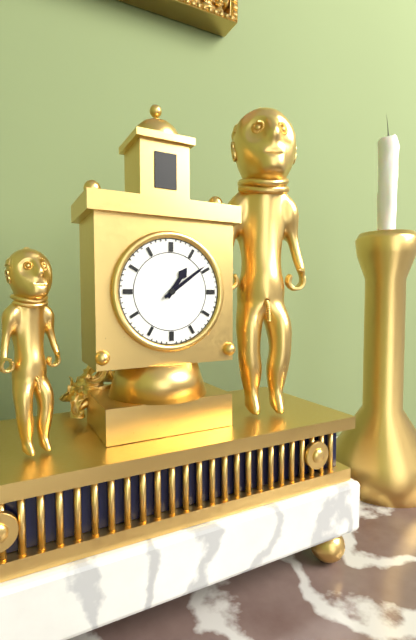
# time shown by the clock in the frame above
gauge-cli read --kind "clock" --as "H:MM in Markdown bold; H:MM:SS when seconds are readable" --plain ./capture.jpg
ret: **1:09**
